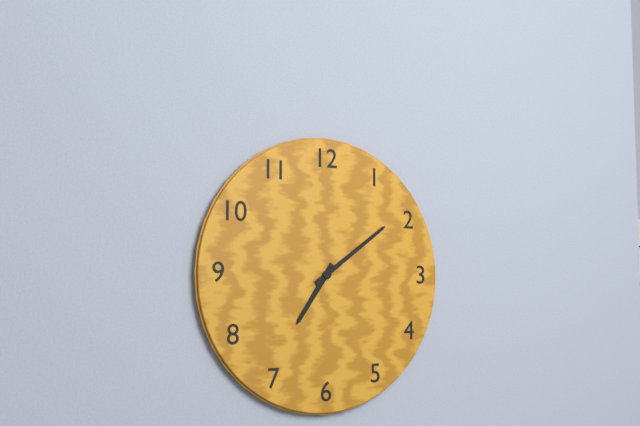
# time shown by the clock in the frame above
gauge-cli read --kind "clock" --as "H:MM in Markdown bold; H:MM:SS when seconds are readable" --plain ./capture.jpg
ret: **7:09**
